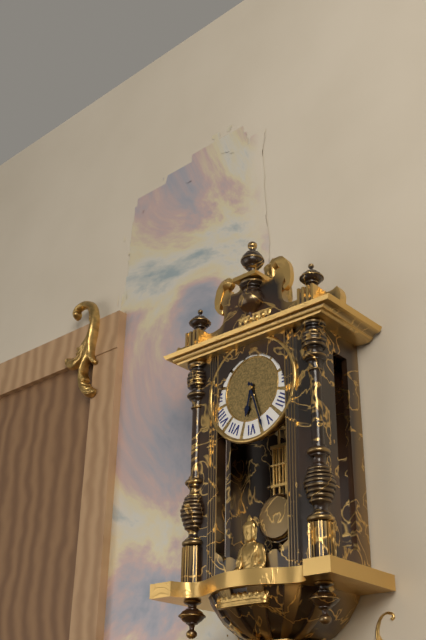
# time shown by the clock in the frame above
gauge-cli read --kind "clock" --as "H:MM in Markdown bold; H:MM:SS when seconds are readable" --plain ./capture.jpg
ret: **6:27**
